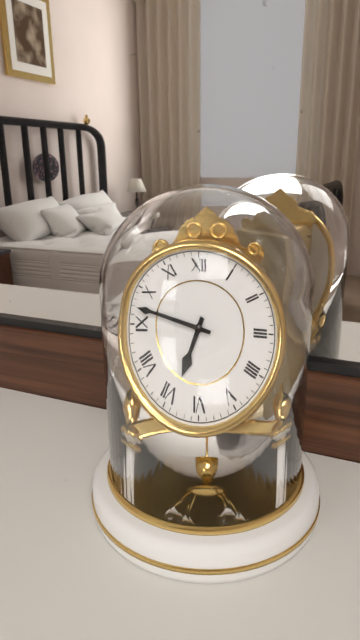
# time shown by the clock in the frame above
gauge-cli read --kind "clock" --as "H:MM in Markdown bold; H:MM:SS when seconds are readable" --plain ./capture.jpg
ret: **6:47**
